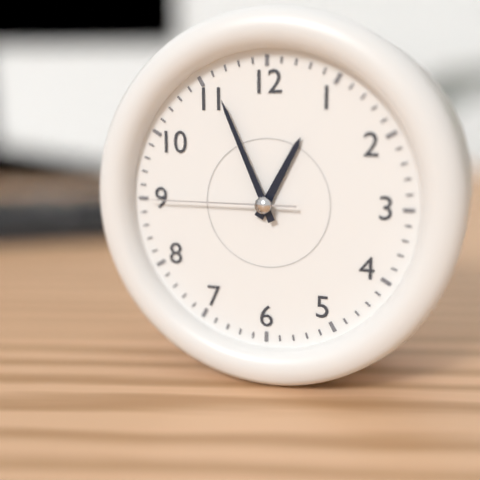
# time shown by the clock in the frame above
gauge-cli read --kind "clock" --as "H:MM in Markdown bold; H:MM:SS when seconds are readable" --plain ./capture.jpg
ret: **12:56:45**
